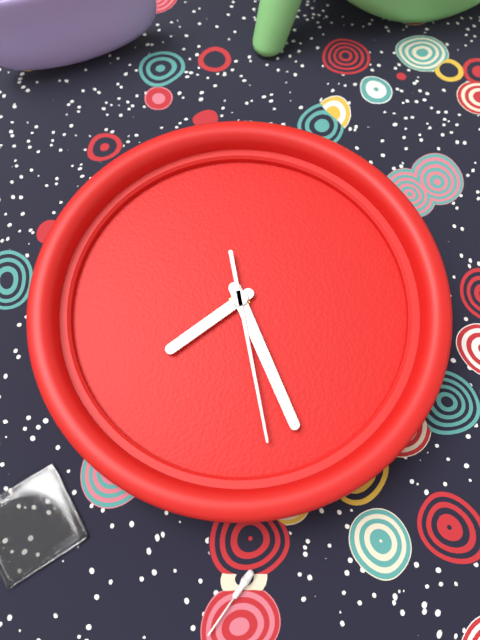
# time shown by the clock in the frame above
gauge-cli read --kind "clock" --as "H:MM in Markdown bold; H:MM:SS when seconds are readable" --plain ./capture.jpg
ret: **8:30:32**
